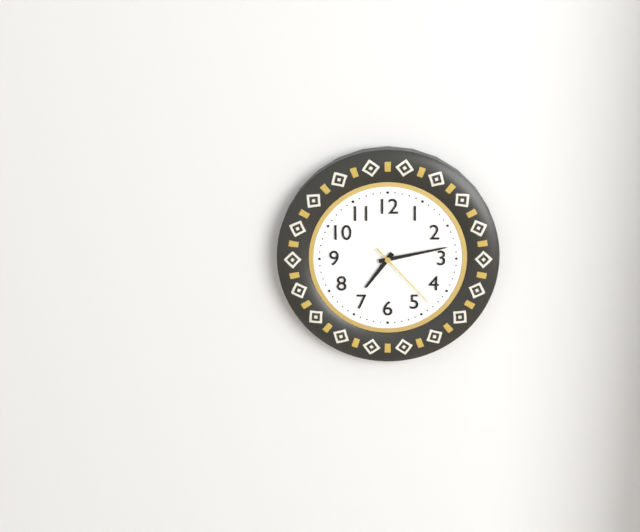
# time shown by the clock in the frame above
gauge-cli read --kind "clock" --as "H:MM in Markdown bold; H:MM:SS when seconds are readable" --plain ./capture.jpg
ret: **7:13:23**
